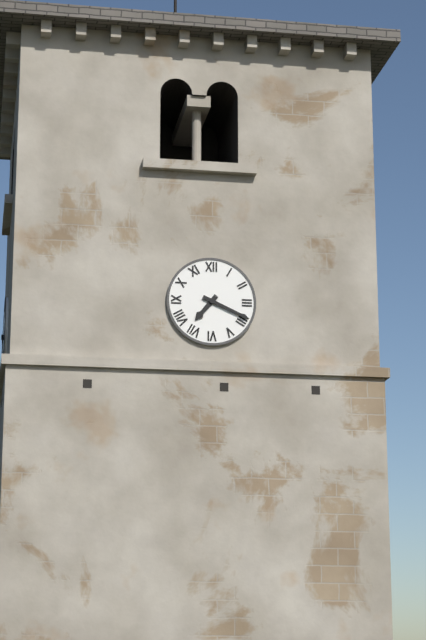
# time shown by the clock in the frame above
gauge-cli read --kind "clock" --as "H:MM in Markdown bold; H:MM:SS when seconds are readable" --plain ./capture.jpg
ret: **7:19**
